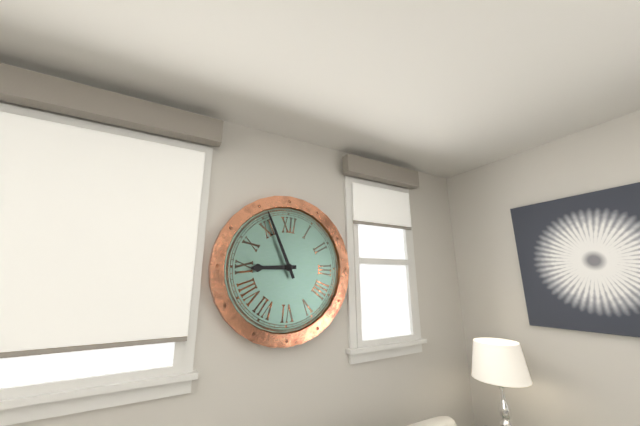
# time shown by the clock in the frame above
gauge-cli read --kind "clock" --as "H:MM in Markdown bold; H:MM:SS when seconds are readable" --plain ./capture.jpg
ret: **8:56**
